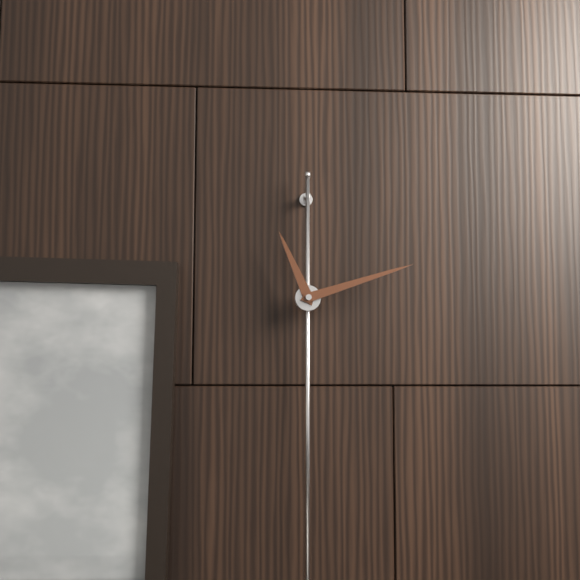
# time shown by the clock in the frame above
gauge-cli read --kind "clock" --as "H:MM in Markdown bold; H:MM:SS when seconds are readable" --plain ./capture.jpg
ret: **11:12**
